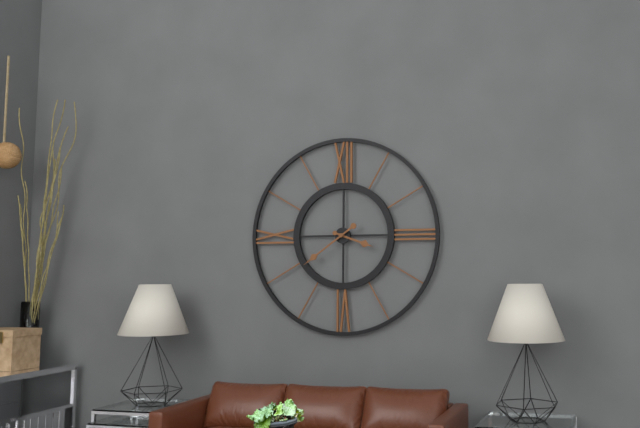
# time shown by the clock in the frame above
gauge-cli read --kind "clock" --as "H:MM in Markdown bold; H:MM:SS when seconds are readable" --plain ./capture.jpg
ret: **3:39**
